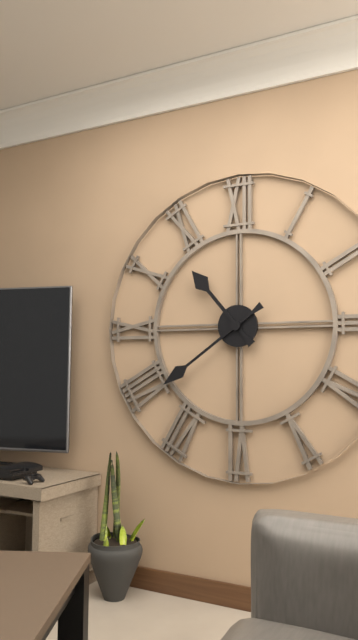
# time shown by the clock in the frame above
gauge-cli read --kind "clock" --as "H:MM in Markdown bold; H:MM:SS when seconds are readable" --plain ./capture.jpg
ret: **10:39**
